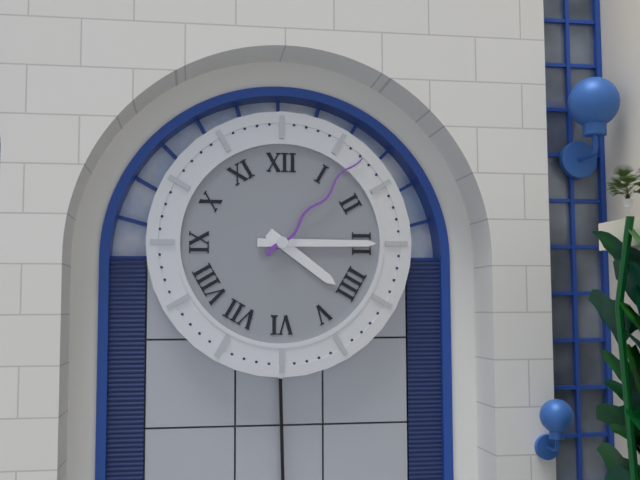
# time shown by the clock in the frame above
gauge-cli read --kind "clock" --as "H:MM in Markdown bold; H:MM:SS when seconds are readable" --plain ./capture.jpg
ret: **4:15:07**
